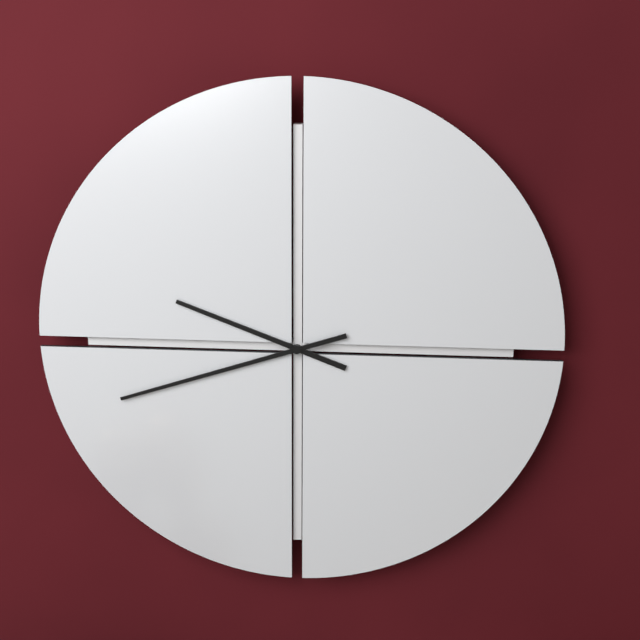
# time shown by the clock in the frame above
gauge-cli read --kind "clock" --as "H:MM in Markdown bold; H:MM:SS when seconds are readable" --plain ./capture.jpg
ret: **9:42**
